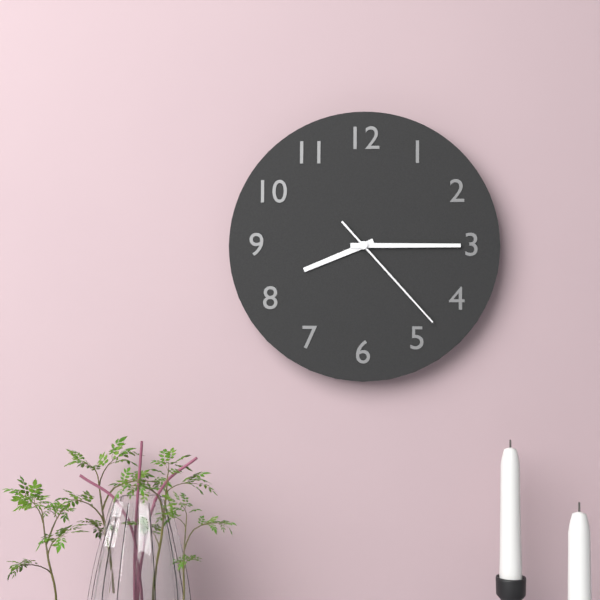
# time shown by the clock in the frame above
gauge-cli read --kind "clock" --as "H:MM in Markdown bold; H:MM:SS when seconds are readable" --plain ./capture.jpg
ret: **8:15:23**
